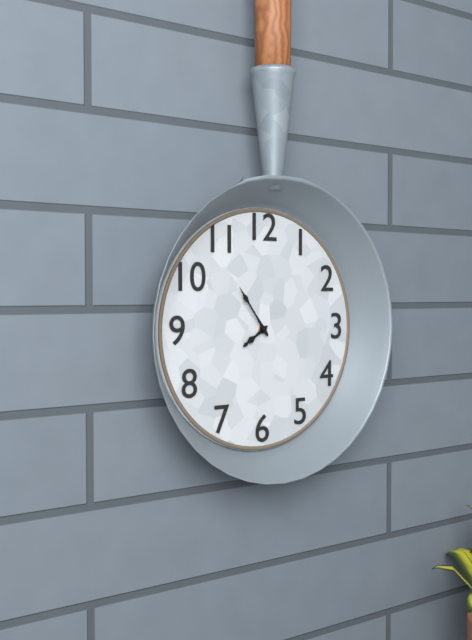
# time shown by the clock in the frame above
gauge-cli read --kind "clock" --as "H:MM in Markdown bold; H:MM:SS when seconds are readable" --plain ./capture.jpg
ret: **7:54**
